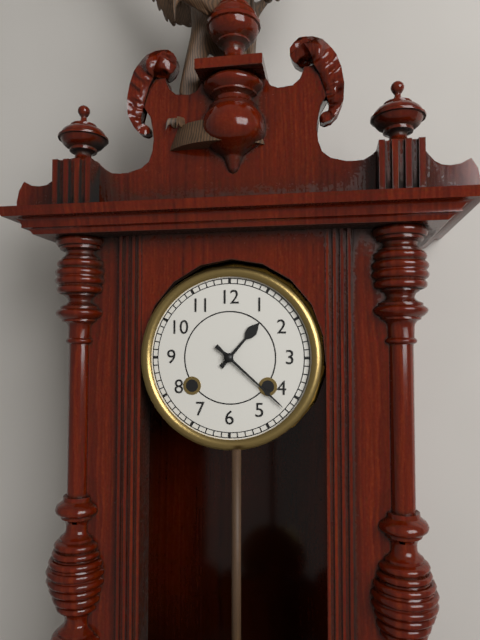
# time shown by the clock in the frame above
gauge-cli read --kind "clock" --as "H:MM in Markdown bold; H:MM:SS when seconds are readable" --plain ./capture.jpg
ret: **1:22**
